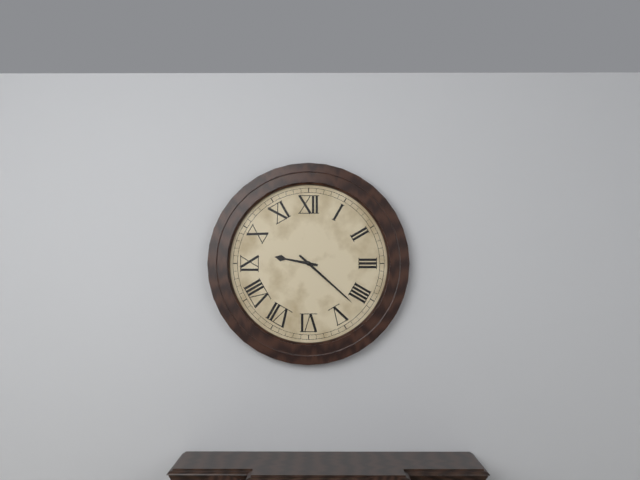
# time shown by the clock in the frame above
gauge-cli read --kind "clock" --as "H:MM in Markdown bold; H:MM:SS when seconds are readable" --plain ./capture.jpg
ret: **9:22**
